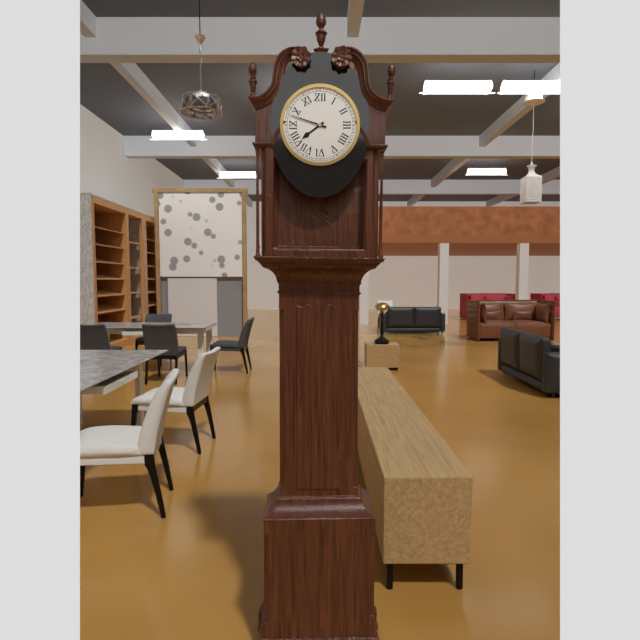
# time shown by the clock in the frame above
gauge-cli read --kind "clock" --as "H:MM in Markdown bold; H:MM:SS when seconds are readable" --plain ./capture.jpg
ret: **7:48**
